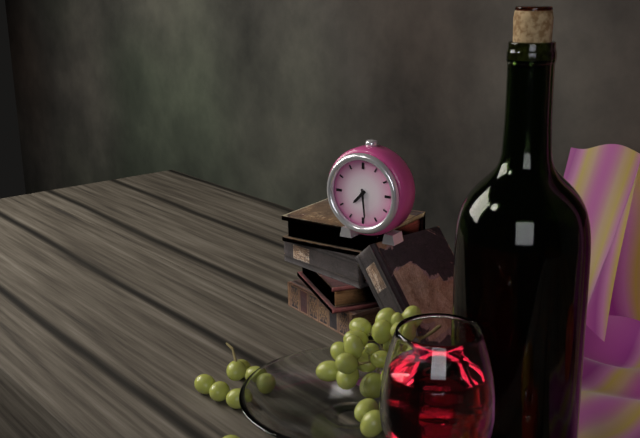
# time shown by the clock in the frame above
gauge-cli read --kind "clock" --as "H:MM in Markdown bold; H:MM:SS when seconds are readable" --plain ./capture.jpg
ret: **7:29**
